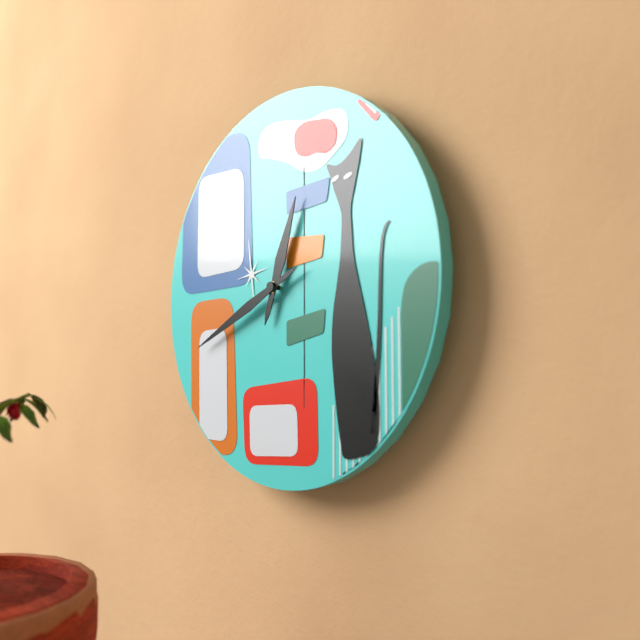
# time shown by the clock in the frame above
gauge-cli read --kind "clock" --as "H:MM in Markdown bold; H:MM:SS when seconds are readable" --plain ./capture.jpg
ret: **12:41**
